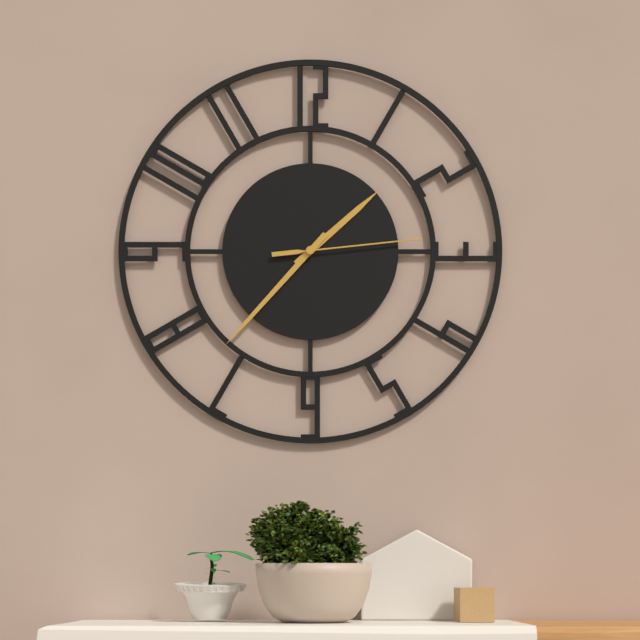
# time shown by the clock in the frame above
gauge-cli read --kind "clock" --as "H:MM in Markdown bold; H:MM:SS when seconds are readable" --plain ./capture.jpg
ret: **1:37:14**
